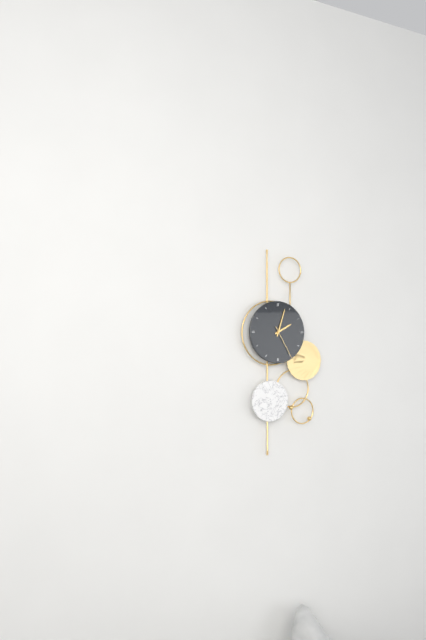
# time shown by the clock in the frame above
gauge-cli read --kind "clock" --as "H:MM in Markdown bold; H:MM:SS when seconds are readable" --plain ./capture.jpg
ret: **2:03**
